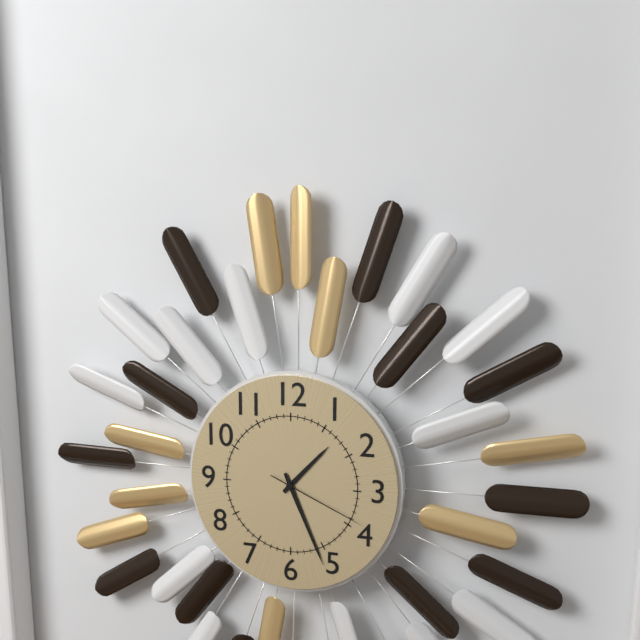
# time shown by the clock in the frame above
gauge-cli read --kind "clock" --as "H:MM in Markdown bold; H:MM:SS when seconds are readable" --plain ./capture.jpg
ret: **1:26:19**
